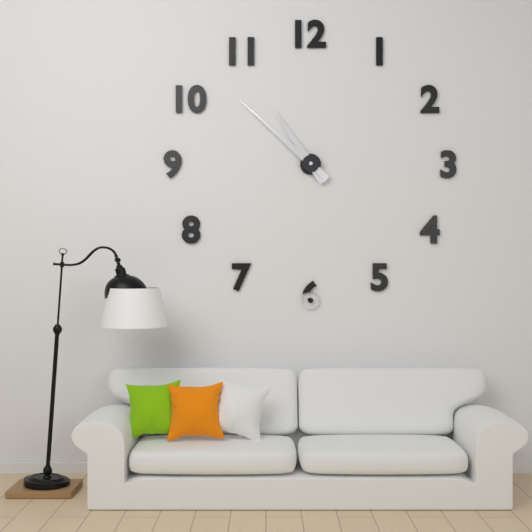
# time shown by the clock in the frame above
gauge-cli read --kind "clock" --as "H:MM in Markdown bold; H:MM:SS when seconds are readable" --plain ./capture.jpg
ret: **10:52**
